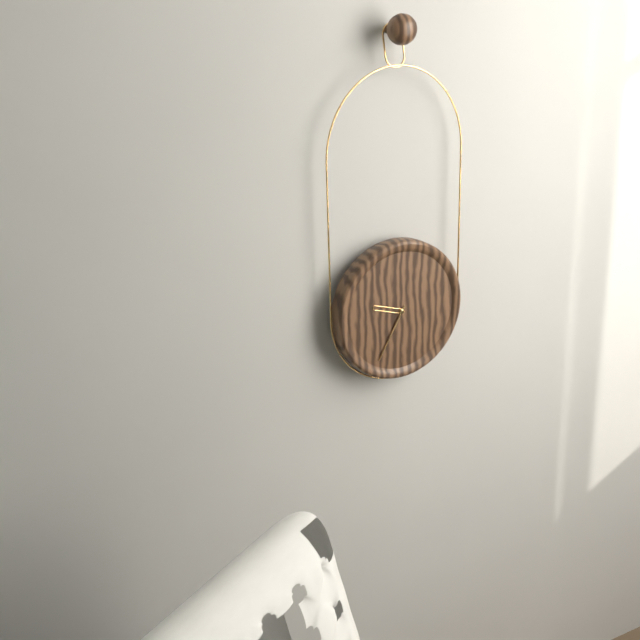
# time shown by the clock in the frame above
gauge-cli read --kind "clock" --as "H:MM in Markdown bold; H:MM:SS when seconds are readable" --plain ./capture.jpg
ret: **9:35**
